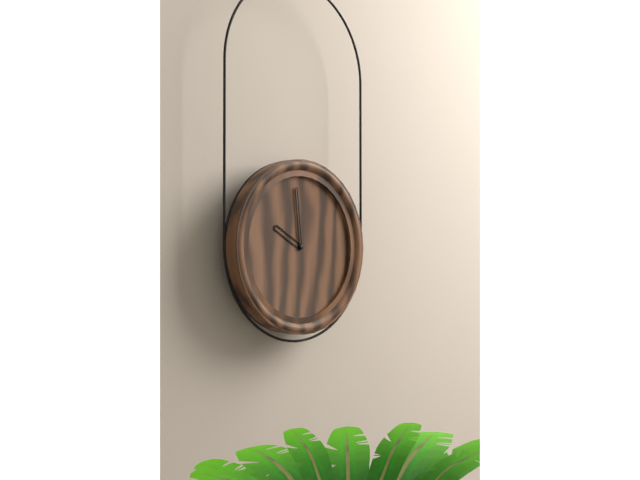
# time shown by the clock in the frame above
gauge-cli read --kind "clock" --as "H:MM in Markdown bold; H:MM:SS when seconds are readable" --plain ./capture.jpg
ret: **9:59**
